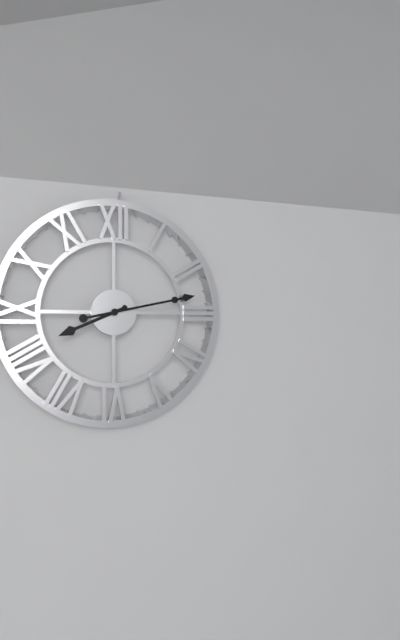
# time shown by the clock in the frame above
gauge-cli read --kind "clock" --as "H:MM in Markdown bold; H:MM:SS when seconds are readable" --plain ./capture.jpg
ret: **8:13**
